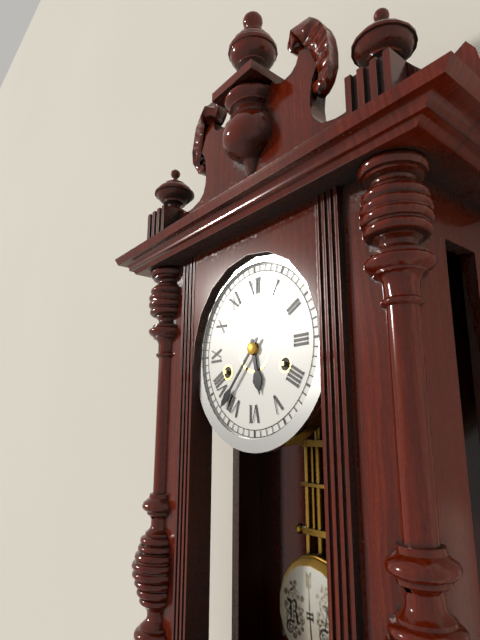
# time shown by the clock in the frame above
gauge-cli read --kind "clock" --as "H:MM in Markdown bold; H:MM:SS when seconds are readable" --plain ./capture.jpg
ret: **5:37**
